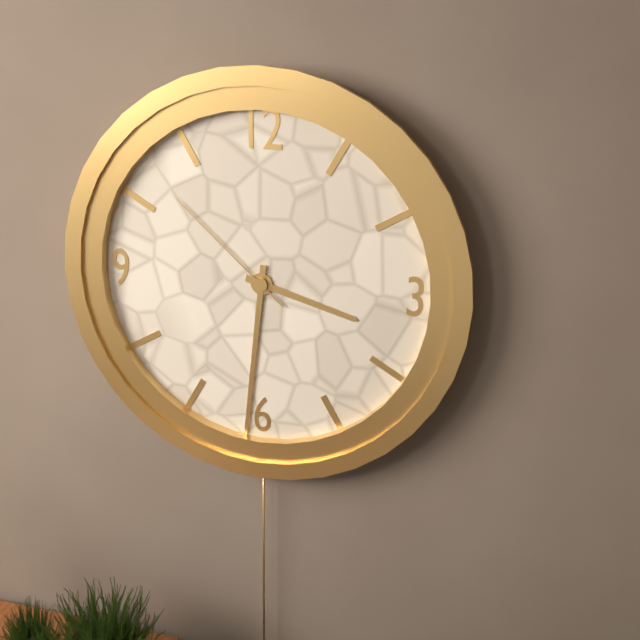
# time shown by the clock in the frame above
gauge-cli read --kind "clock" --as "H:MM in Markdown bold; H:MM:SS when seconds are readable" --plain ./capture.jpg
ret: **3:31:52**
